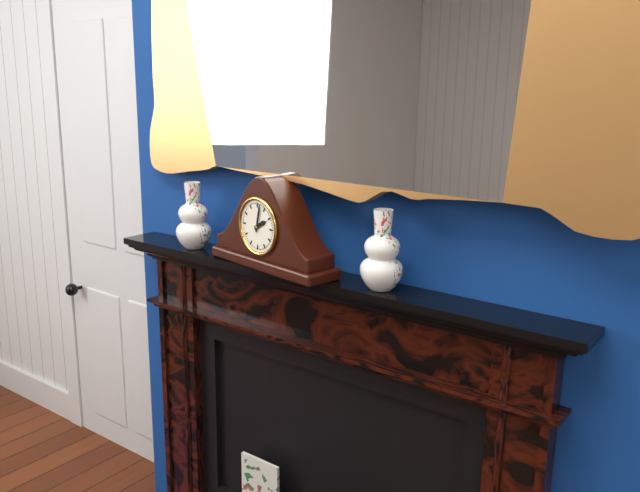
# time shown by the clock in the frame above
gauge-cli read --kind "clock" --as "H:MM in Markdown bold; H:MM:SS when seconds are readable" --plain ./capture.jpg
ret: **2:02**
